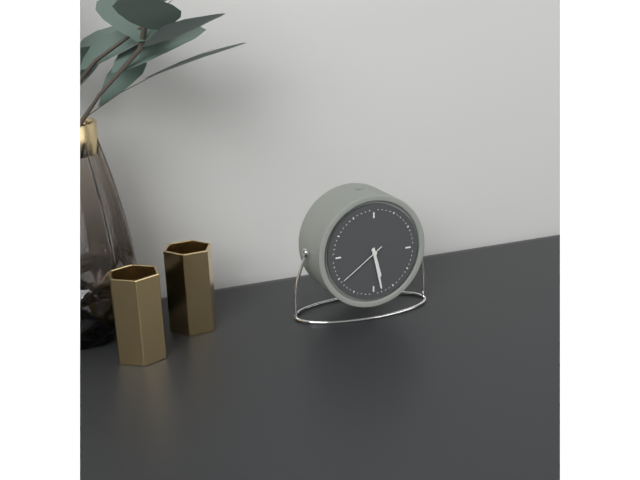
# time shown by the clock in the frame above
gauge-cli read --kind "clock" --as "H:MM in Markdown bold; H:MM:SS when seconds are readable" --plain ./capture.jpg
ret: **5:28:39**
